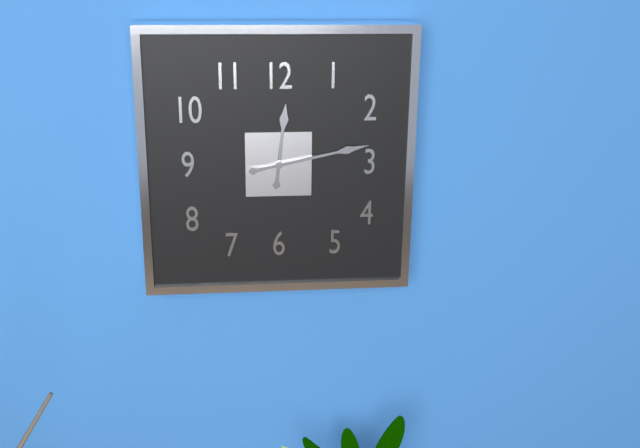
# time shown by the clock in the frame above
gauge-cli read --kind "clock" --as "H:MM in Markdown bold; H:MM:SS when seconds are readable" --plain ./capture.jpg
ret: **12:13**
